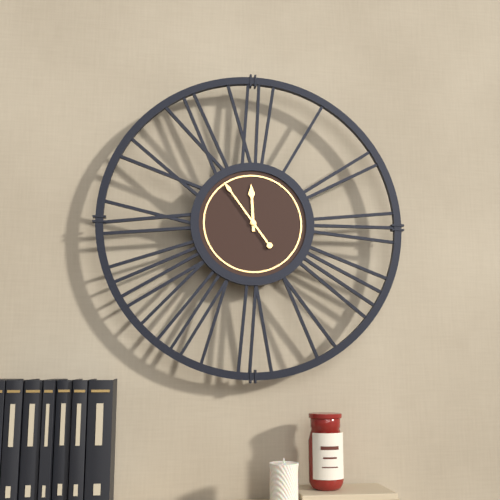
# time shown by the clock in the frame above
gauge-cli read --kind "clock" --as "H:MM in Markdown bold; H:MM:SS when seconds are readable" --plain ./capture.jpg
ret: **11:54**
